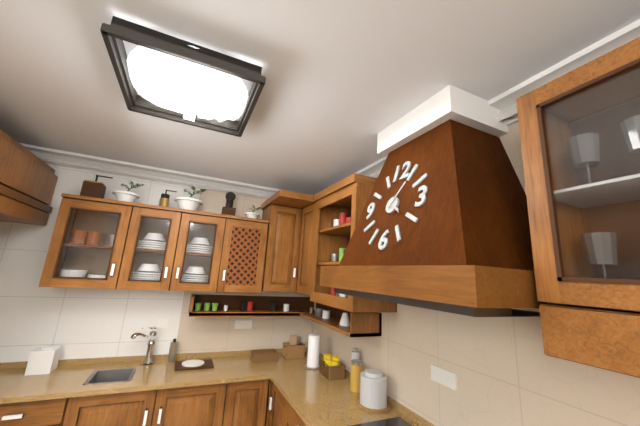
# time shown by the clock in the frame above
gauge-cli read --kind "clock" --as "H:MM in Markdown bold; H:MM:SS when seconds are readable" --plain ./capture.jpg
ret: **4:06**
